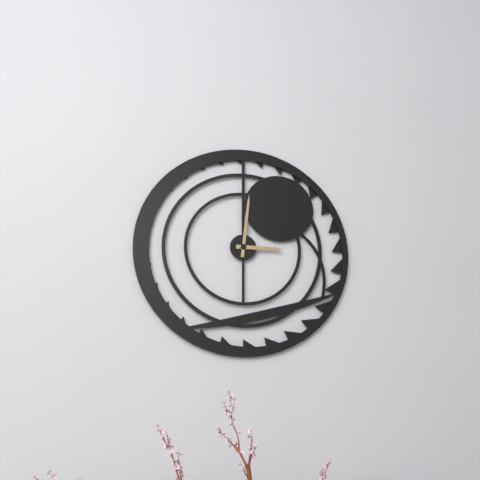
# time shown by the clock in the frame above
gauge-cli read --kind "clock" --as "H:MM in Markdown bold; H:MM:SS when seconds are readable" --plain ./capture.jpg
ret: **3:01**
